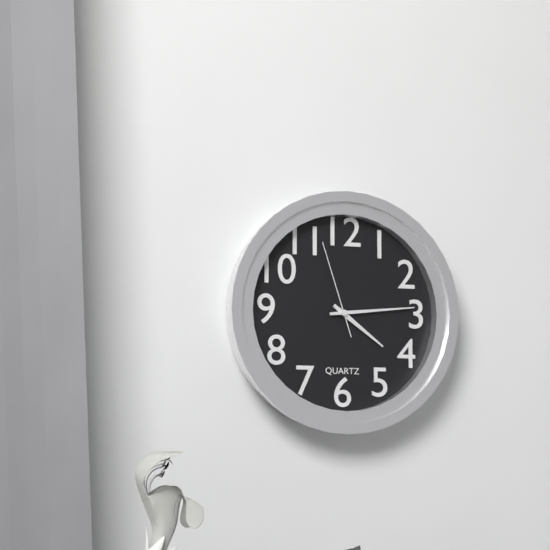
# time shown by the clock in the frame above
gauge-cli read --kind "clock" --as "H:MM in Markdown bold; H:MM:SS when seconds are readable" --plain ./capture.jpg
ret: **4:14:57**
